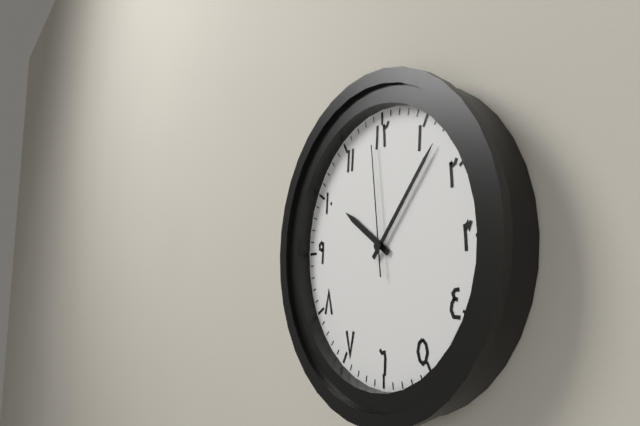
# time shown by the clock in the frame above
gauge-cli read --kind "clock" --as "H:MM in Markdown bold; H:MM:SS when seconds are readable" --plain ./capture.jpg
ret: **10:07:59**
